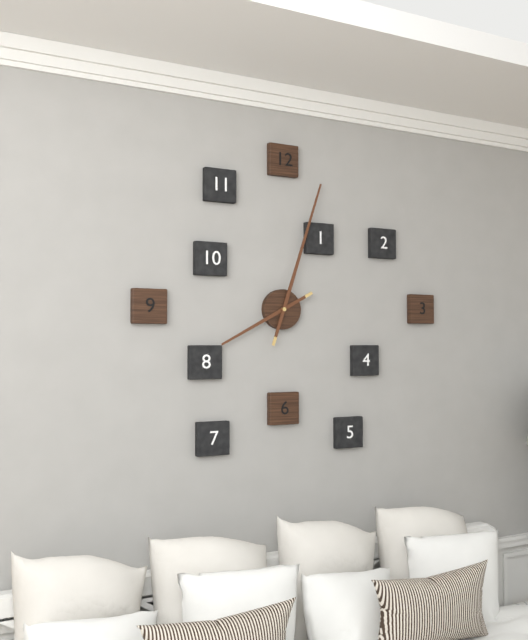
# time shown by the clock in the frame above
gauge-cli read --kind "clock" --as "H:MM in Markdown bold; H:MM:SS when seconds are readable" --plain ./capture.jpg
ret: **8:03**
